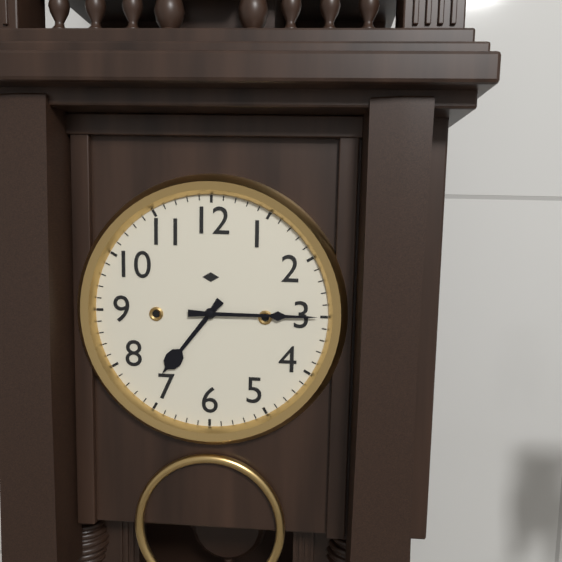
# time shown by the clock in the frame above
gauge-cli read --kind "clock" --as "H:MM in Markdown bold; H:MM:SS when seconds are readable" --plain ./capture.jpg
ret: **7:15**
